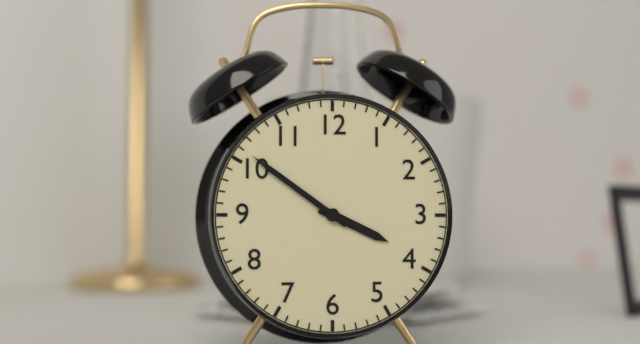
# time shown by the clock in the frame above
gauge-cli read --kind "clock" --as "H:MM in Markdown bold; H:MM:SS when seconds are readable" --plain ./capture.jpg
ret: **3:51**
